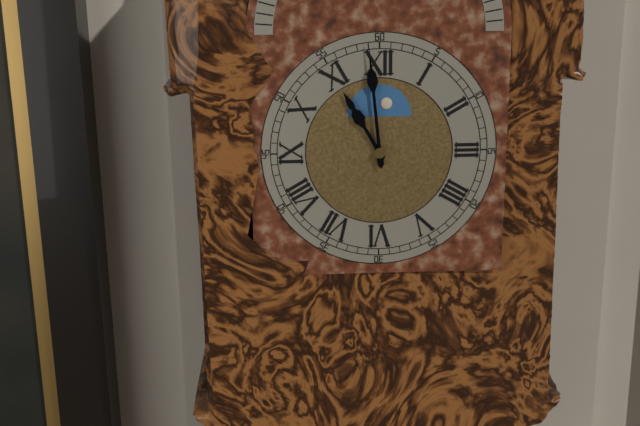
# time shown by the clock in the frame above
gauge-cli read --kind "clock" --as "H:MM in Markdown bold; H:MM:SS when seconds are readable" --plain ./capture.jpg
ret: **10:59**
